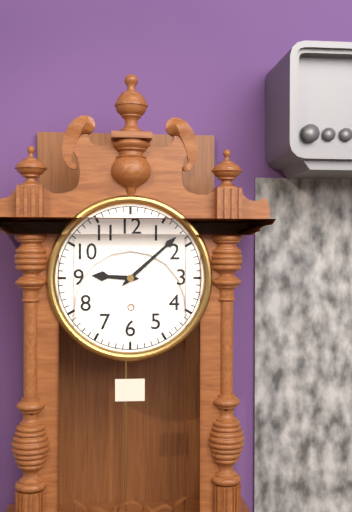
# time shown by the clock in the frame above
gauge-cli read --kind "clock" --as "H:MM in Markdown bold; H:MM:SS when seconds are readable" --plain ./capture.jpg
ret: **9:08**
